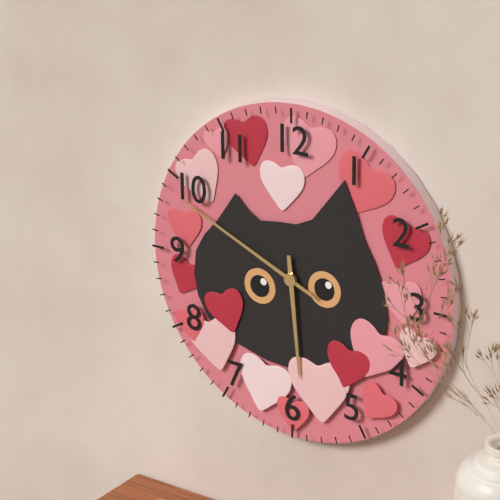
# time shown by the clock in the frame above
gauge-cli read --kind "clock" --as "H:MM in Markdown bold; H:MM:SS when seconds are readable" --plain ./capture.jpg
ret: **5:49**
